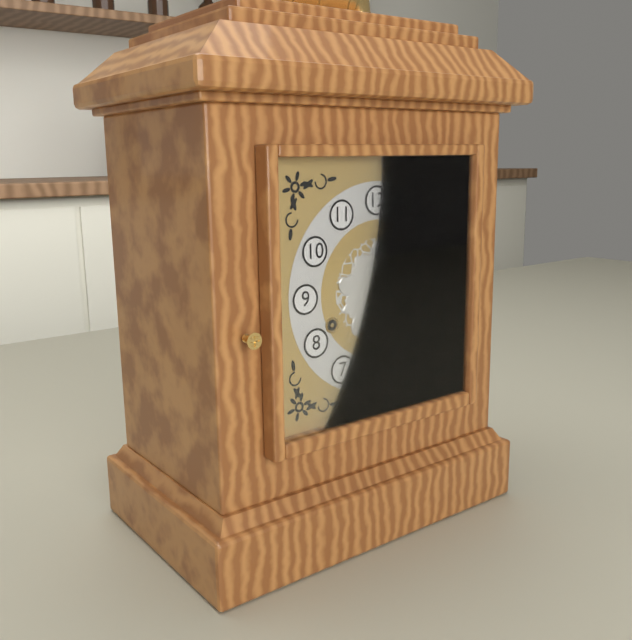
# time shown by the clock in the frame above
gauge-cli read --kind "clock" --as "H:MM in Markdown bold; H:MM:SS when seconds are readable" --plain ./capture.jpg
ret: **1:31**
